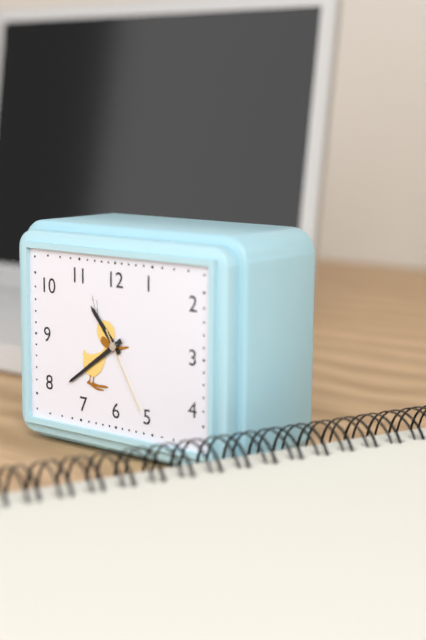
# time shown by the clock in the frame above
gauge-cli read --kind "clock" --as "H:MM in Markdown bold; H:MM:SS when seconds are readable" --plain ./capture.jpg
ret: **10:39:25**
